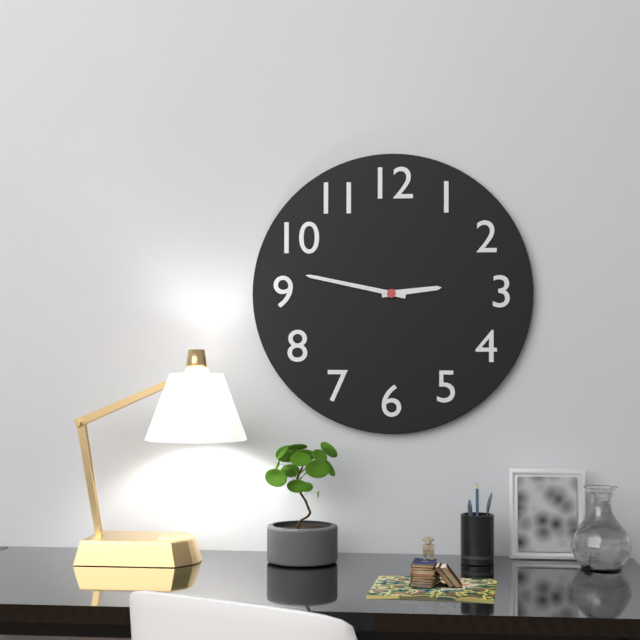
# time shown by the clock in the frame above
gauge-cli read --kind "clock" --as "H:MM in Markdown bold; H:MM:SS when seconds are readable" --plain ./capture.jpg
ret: **2:47**
